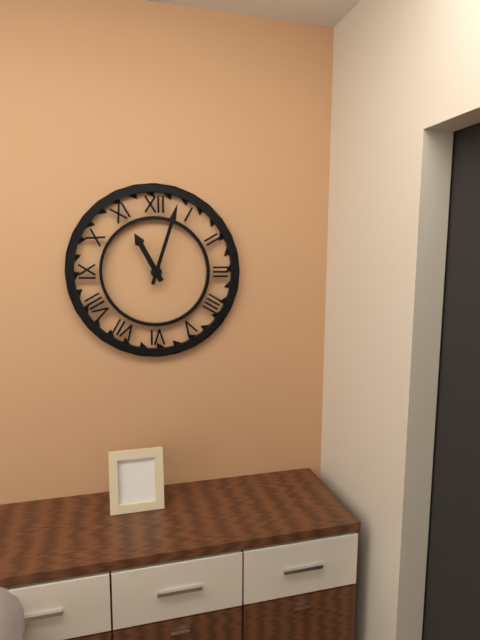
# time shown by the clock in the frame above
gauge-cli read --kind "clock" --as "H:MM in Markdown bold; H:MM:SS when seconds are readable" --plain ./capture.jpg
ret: **11:03**
